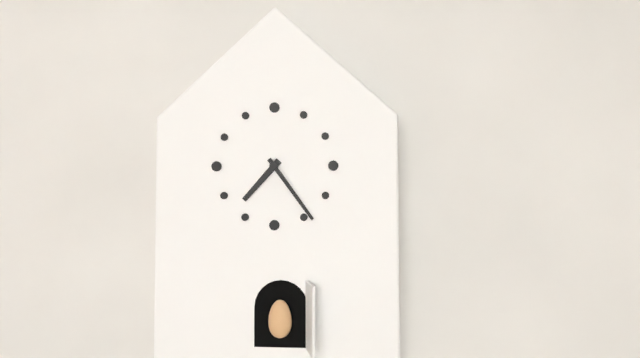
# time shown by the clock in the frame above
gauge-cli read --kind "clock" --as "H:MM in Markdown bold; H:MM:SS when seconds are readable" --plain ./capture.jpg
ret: **7:24**
